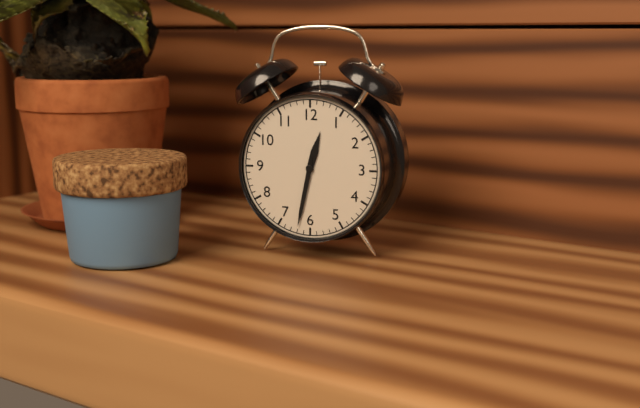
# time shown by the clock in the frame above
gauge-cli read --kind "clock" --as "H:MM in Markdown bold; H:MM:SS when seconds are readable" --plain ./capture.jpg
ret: **12:32**
